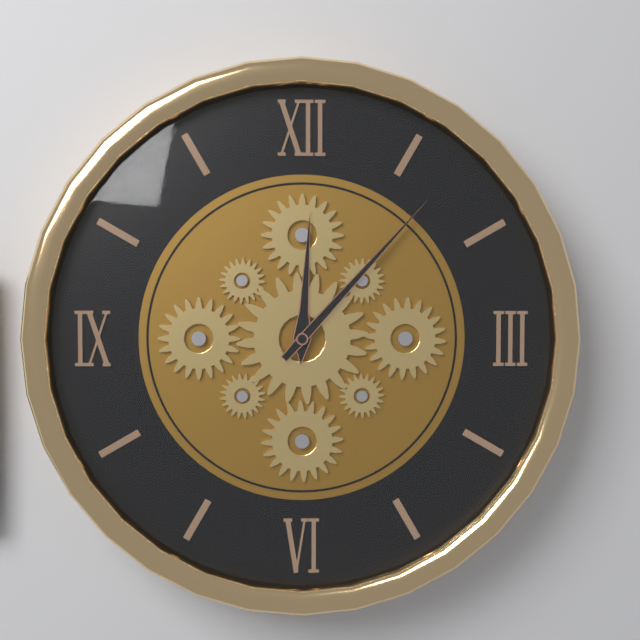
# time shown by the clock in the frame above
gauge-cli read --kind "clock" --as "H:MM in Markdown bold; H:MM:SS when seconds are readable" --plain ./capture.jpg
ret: **12:07**
